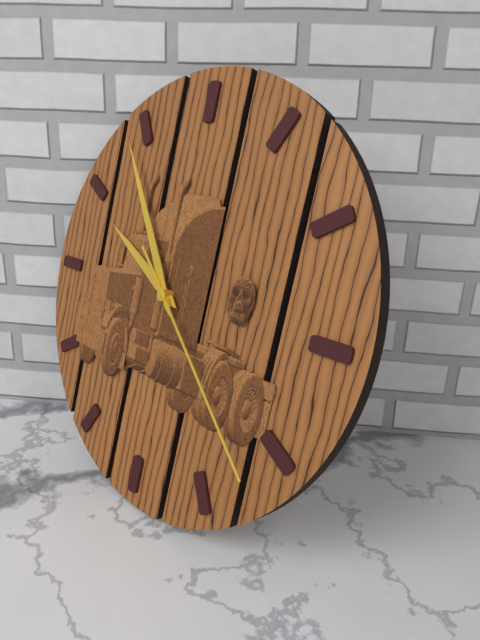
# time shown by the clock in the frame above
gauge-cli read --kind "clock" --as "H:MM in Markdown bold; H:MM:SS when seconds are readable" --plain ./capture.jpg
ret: **9:54:22**
